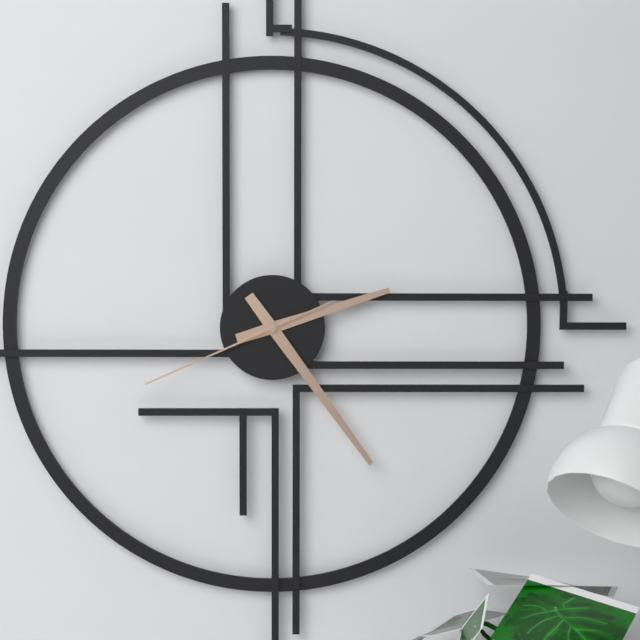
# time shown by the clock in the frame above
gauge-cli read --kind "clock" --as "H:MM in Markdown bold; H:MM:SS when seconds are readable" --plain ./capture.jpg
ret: **2:24:41**
